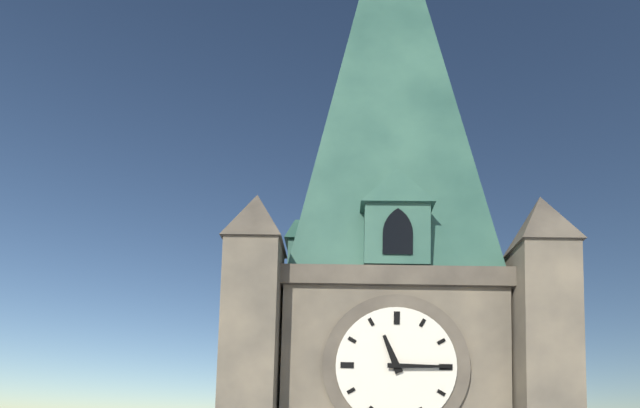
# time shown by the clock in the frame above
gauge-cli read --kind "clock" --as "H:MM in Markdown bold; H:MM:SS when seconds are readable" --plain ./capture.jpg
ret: **11:15**
